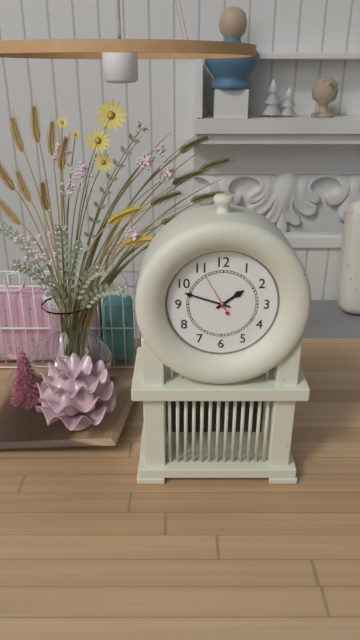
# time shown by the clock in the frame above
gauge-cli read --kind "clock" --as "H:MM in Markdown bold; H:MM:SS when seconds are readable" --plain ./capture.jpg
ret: **1:48**
